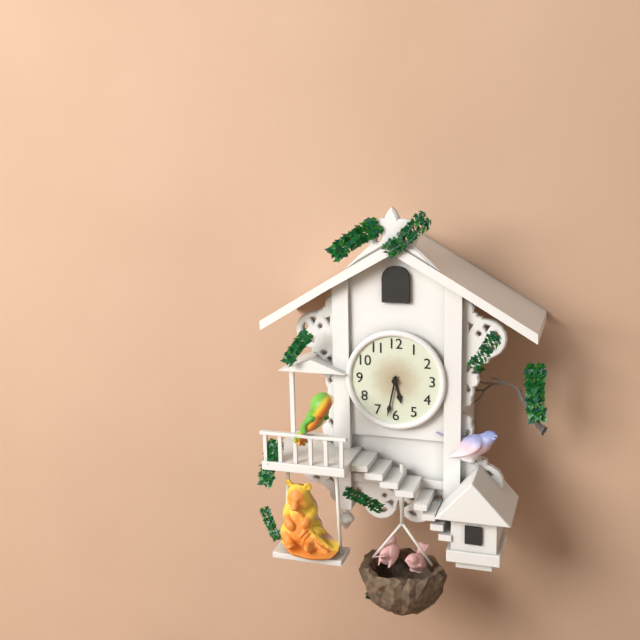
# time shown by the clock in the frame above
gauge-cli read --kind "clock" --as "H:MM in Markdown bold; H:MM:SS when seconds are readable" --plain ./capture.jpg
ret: **5:32**
